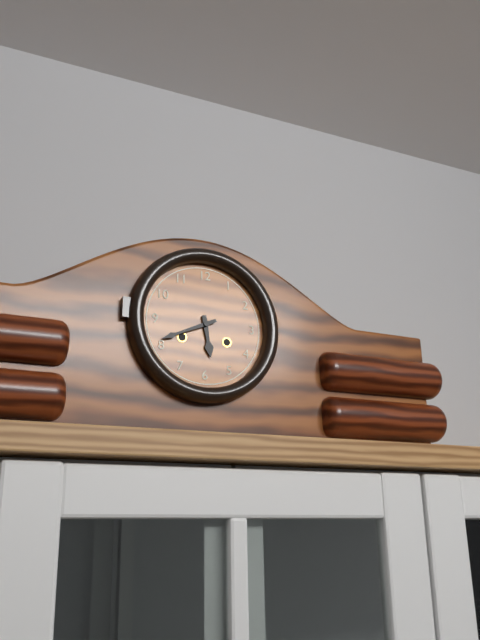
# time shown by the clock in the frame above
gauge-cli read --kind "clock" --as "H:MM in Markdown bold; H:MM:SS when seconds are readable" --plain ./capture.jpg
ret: **5:41**
